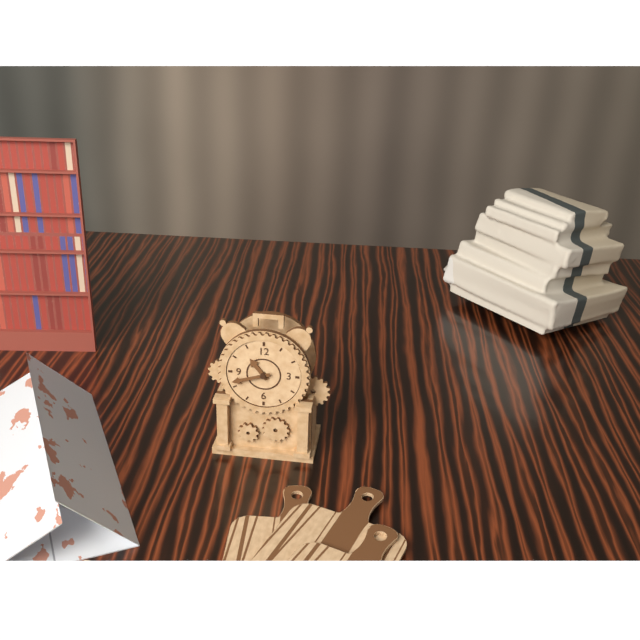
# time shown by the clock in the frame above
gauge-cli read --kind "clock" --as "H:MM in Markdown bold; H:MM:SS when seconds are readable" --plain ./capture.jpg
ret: **10:42**
